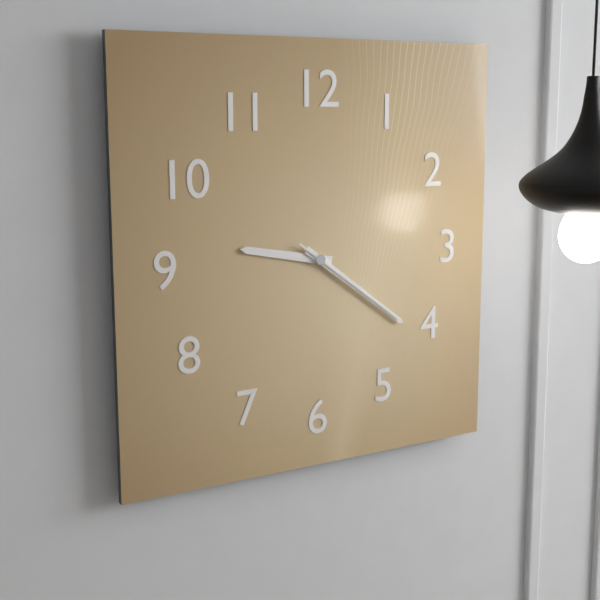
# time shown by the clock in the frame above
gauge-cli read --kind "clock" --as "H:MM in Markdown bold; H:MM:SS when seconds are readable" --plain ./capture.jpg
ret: **9:21:21**
